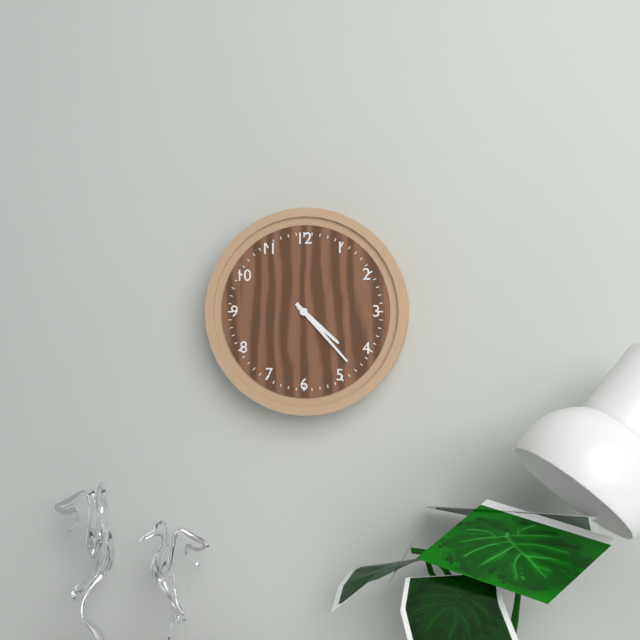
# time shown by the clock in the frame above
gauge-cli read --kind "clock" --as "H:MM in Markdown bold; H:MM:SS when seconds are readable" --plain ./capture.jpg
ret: **4:23**
